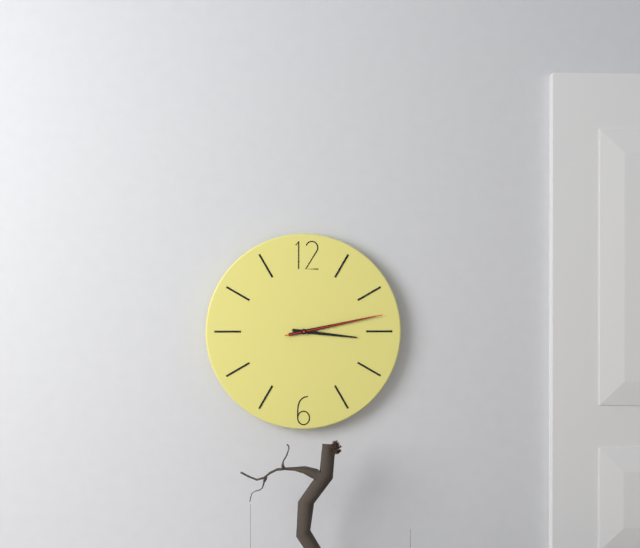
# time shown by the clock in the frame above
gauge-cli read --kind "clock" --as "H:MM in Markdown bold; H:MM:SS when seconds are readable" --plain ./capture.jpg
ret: **3:13:13**
